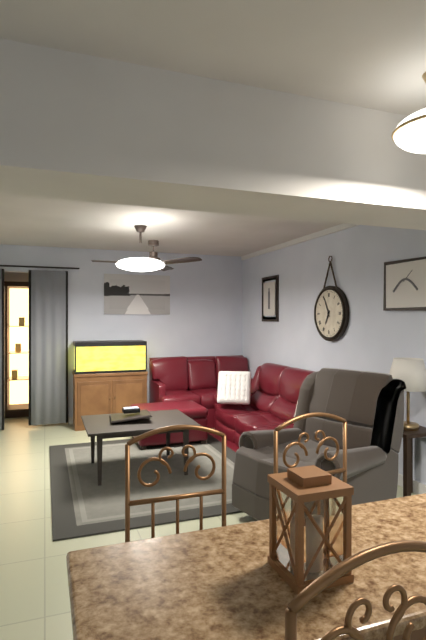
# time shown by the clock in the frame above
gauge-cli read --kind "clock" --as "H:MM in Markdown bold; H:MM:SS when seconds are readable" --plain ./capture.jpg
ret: **6:56**
